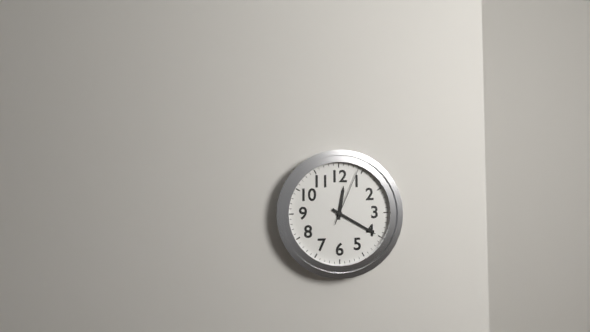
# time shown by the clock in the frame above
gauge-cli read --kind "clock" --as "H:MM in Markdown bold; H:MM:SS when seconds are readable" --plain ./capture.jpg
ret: **12:20:04**
